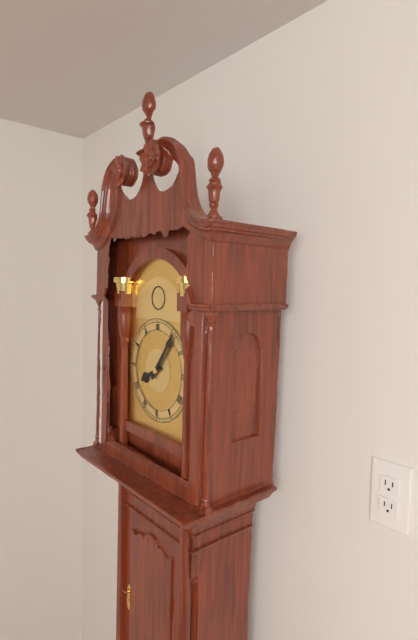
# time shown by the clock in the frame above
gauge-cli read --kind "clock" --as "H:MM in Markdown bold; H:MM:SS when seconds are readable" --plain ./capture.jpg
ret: **8:06**
